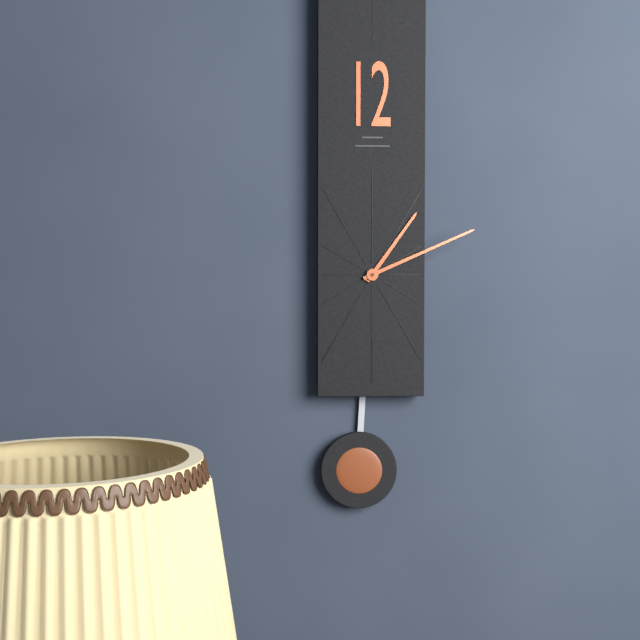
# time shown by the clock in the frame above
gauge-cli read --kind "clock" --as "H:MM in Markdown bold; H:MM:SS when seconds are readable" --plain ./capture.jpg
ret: **1:11**
